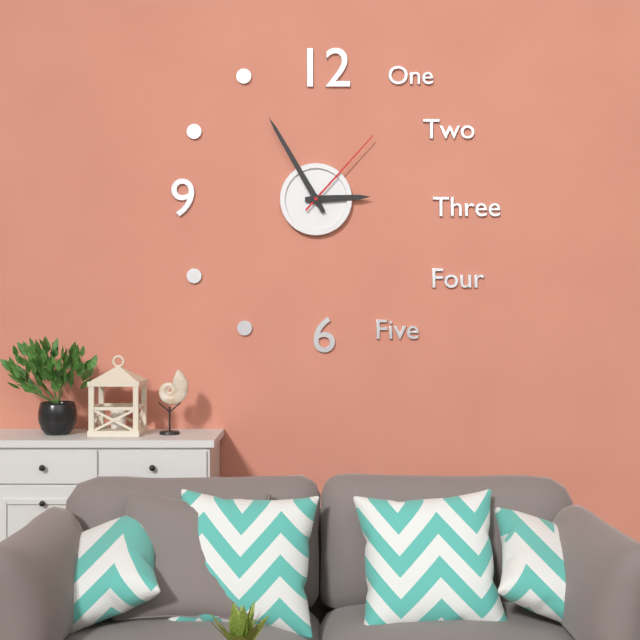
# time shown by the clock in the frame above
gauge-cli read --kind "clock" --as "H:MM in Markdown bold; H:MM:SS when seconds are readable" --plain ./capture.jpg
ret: **2:55:07**
